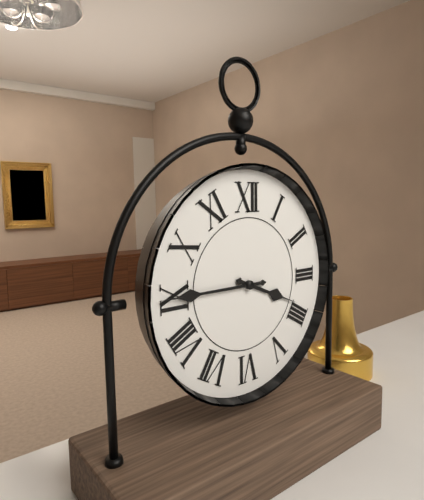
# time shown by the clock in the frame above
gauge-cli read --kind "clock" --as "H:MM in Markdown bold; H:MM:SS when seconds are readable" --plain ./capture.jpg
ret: **3:45**
